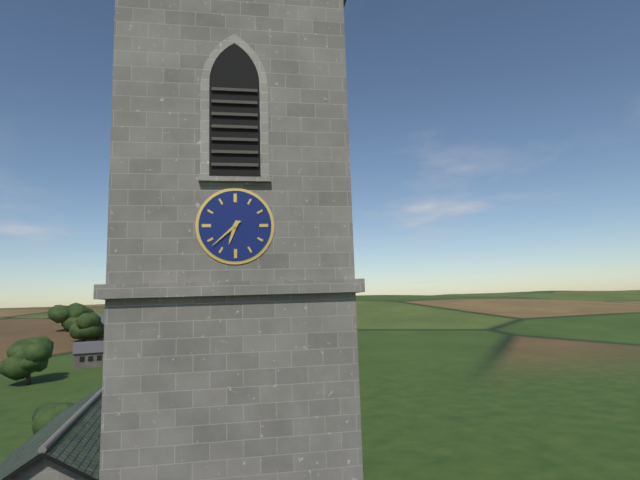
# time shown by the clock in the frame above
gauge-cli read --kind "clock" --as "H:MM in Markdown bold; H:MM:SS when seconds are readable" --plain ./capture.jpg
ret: **6:38**
